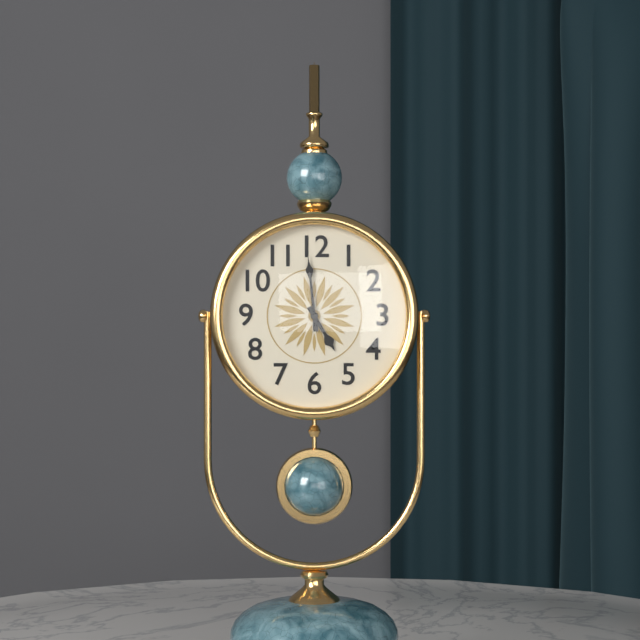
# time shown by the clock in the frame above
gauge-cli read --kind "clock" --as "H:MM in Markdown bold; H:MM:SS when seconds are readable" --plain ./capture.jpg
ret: **4:59**
